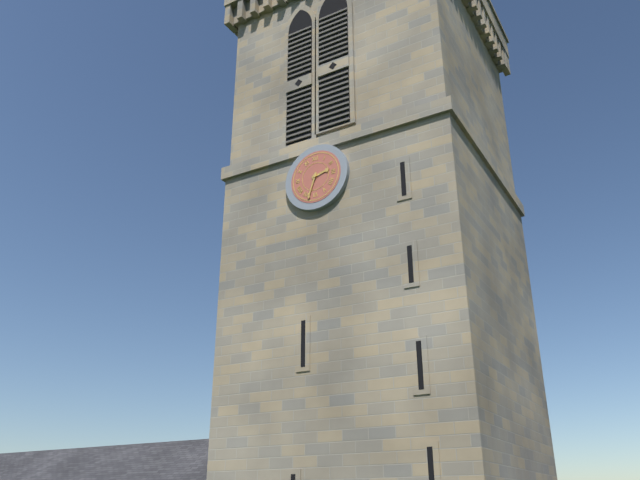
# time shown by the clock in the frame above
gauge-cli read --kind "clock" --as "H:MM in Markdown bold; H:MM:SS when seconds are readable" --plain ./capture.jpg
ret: **2:33**
